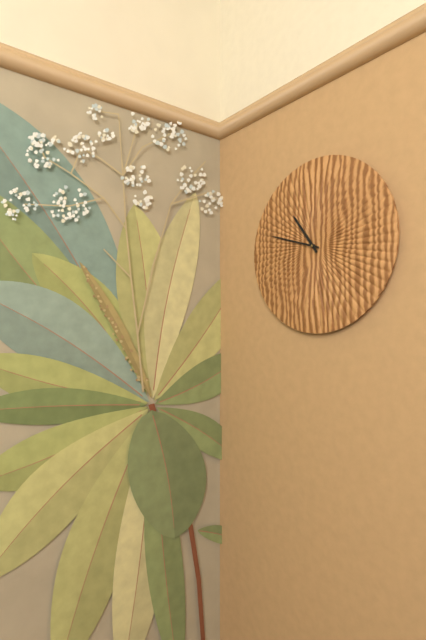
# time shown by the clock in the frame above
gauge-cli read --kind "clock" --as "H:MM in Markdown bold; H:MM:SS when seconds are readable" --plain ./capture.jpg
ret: **10:48**
